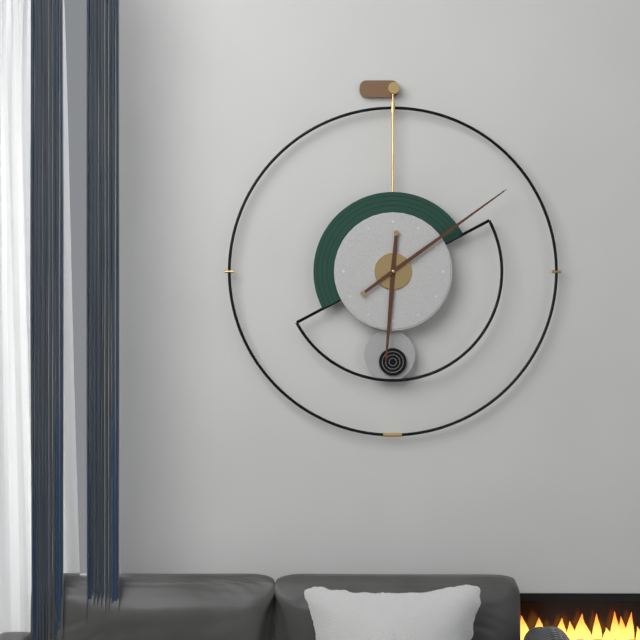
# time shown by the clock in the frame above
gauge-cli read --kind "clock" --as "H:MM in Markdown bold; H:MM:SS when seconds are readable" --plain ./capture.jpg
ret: **6:09**
